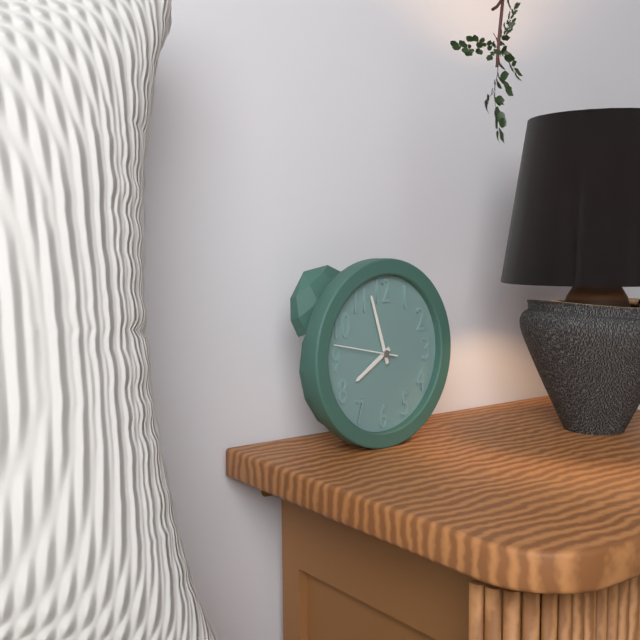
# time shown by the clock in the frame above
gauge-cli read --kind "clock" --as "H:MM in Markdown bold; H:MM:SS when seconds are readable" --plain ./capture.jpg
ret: **7:57:47**
